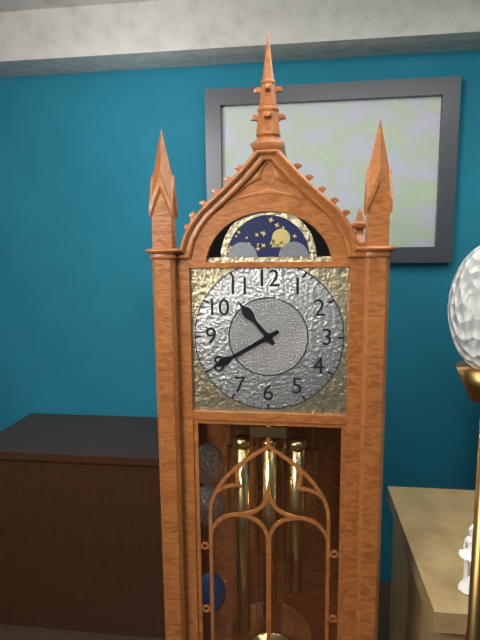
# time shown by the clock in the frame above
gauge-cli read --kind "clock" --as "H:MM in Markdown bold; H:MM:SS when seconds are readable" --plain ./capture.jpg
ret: **10:40**
